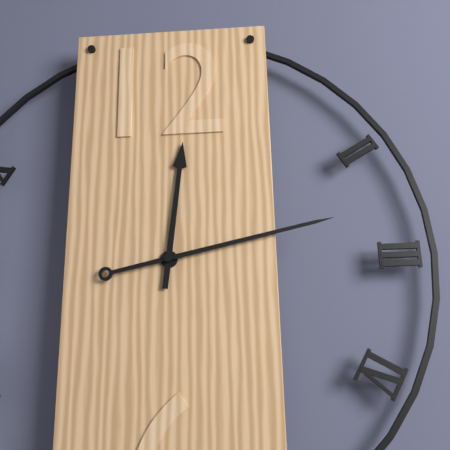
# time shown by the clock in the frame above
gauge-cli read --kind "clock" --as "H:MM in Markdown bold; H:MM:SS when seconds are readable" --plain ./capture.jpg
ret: **12:13**
